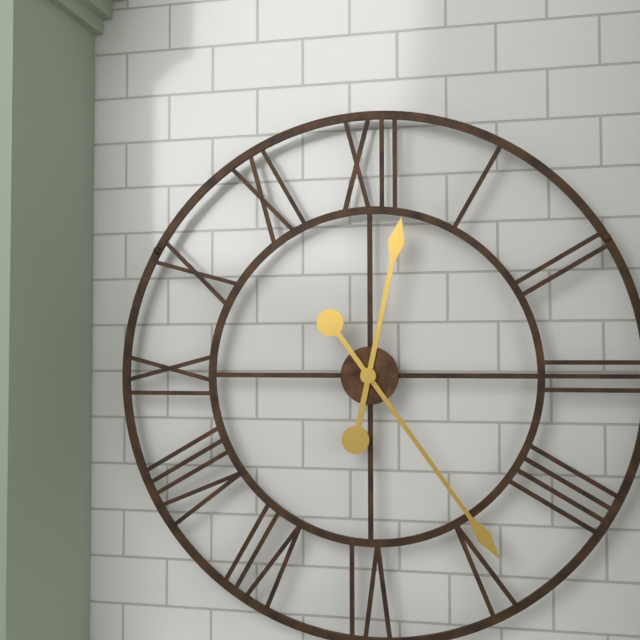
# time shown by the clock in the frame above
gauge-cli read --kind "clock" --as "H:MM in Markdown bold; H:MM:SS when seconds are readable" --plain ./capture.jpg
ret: **12:24**
